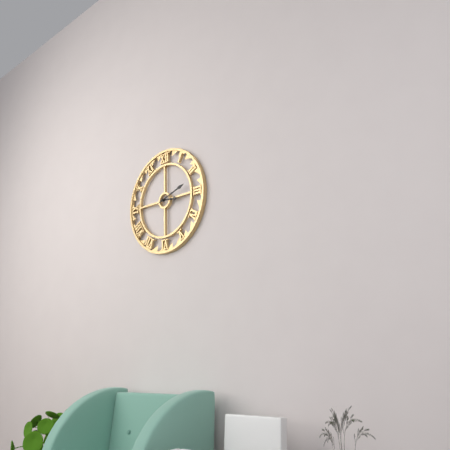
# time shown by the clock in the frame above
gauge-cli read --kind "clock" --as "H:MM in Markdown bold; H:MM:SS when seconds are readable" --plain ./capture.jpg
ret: **3:12**
